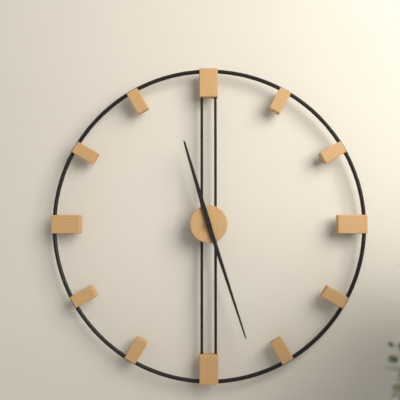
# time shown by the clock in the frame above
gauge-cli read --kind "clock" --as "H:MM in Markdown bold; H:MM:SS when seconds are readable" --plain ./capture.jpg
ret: **11:27**
